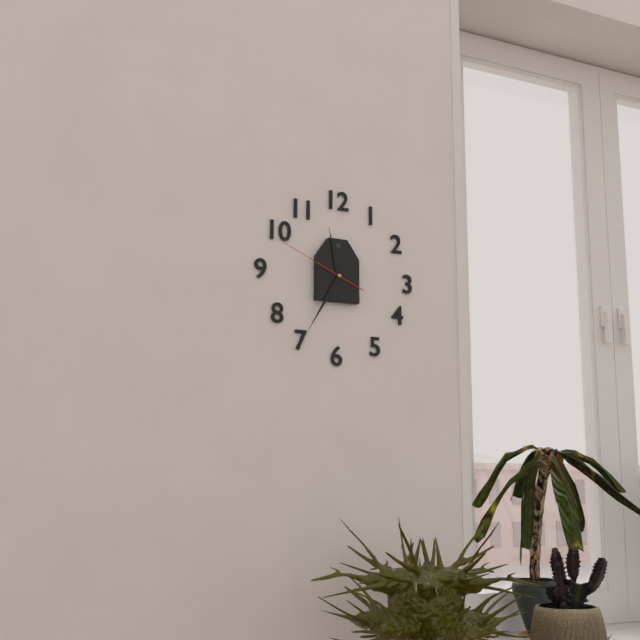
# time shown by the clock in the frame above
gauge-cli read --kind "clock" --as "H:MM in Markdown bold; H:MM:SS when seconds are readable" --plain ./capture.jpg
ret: **11:35:49**
